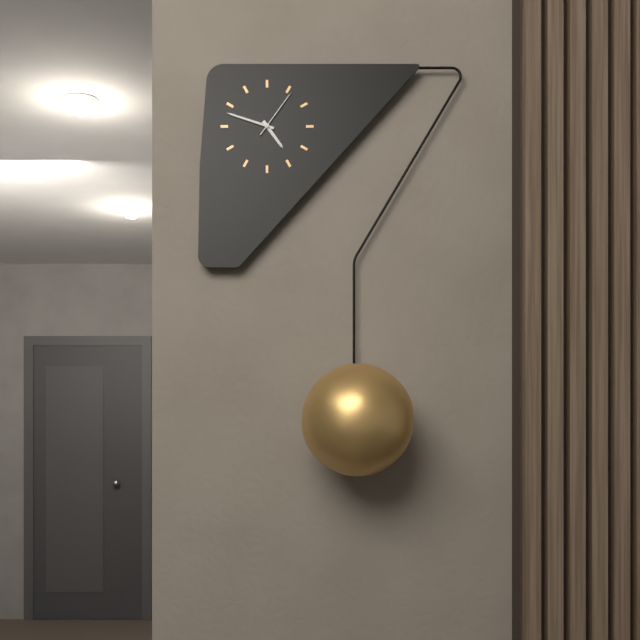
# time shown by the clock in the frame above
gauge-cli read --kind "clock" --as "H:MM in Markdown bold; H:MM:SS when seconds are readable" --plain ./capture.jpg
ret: **4:48:06**
